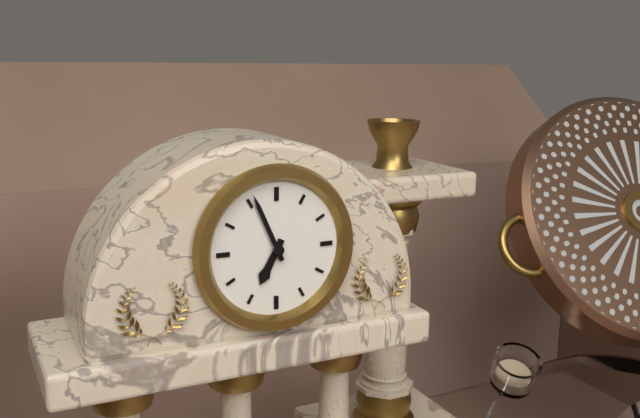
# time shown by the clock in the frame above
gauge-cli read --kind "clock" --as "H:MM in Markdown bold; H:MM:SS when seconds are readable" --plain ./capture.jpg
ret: **6:56**
